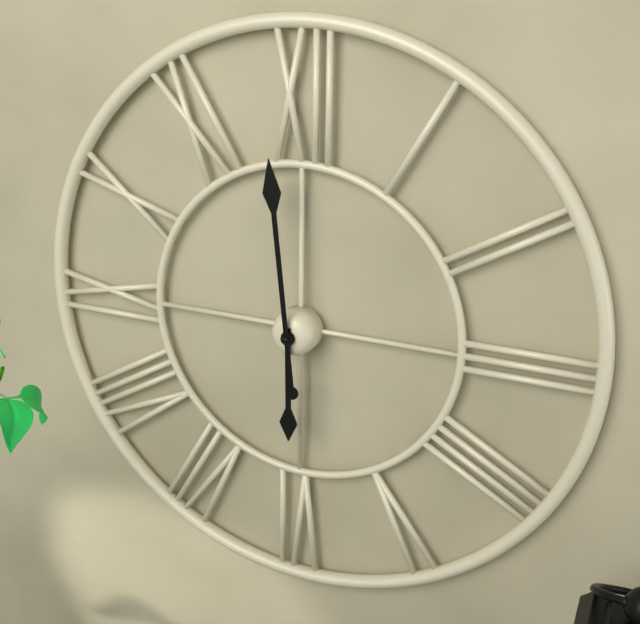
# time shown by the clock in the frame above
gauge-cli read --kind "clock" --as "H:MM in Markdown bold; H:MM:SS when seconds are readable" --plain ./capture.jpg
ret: **5:59**
